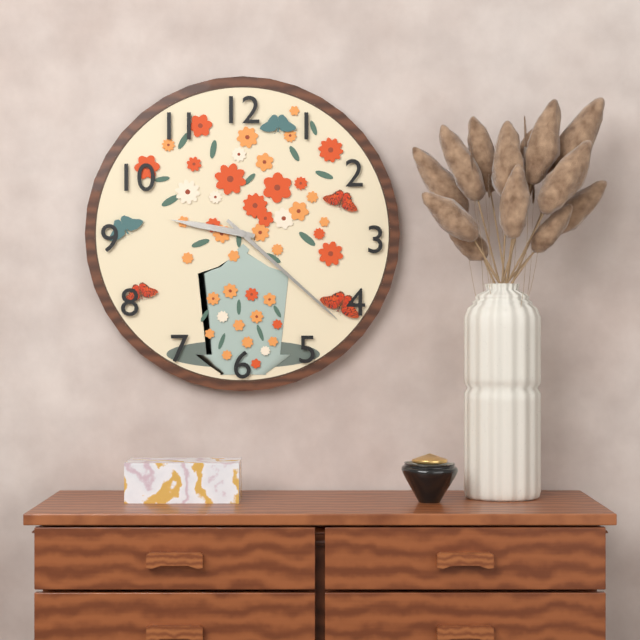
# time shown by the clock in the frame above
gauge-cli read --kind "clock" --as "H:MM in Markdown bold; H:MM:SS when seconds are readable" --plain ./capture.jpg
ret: **9:22**
